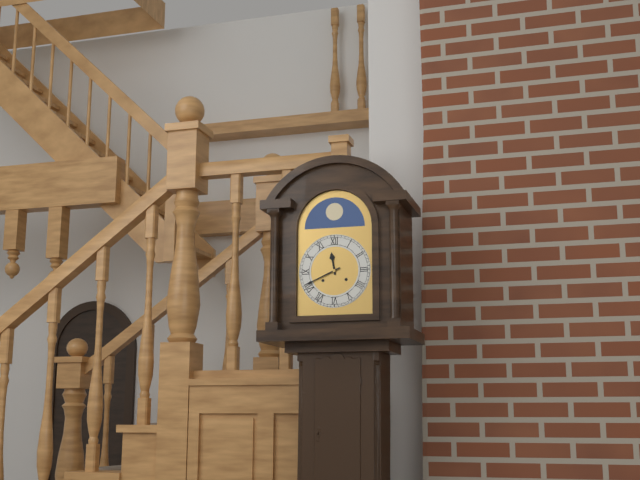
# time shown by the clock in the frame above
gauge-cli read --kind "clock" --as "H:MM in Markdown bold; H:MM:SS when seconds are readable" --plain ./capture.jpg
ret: **11:41**
